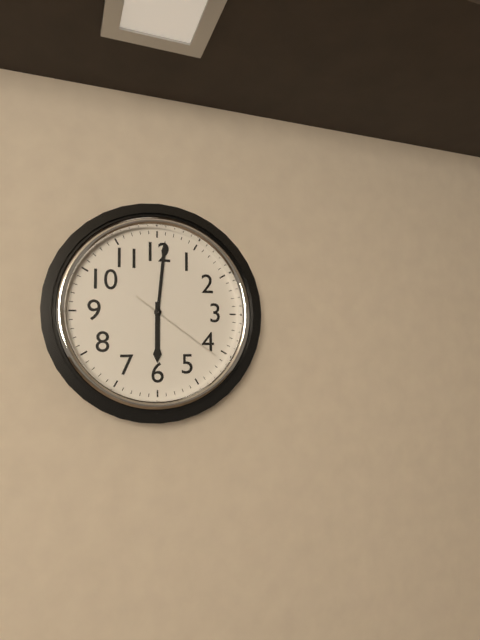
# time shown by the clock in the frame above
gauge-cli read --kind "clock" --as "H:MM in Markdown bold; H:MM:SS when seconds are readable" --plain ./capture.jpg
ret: **6:01:21**
